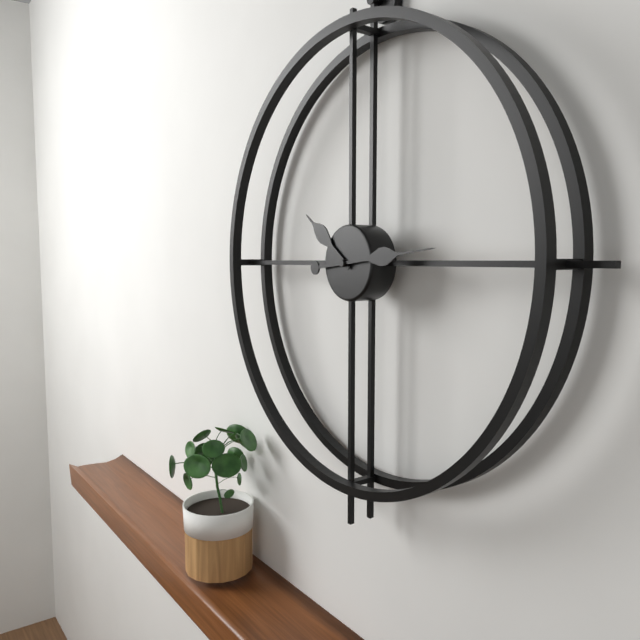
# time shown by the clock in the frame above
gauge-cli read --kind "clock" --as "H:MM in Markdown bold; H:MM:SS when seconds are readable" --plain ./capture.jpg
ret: **10:14**
